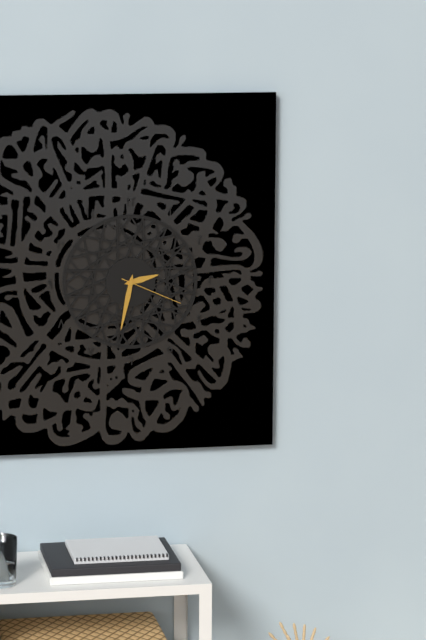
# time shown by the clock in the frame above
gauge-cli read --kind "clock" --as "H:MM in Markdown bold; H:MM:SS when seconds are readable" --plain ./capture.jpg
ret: **2:32:19**
